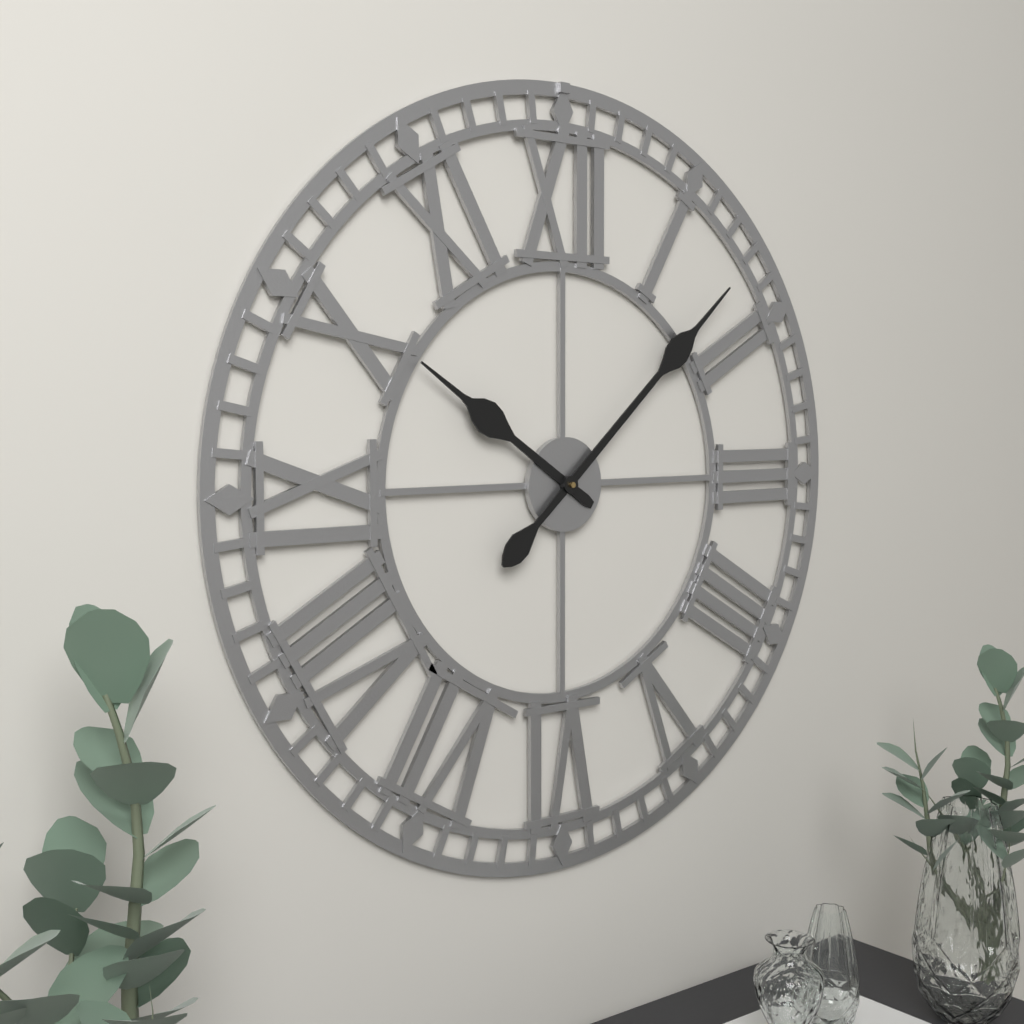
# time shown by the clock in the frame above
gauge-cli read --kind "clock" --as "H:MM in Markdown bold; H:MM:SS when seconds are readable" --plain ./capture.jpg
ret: **10:08**
